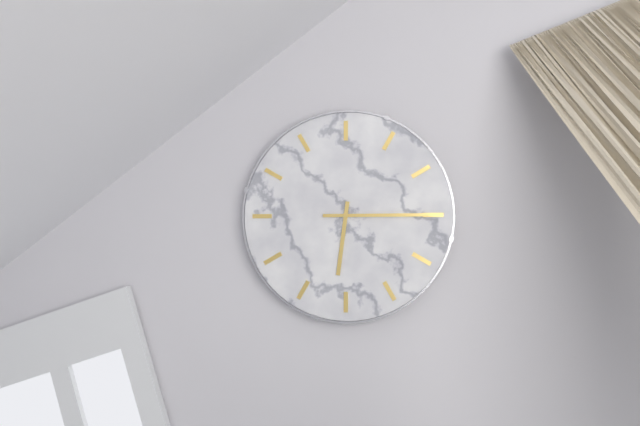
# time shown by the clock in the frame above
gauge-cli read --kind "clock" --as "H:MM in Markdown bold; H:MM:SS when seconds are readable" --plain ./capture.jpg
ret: **6:15**
